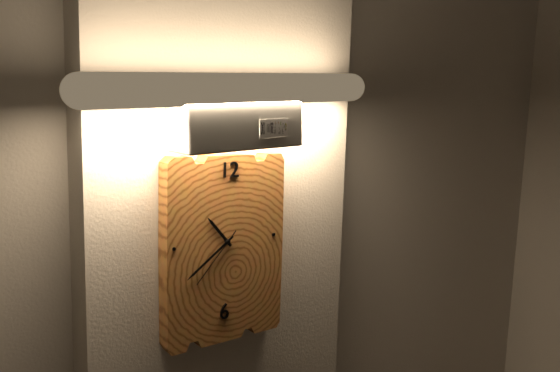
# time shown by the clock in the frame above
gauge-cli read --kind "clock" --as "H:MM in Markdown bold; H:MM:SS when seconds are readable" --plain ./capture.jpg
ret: **10:39:37**
